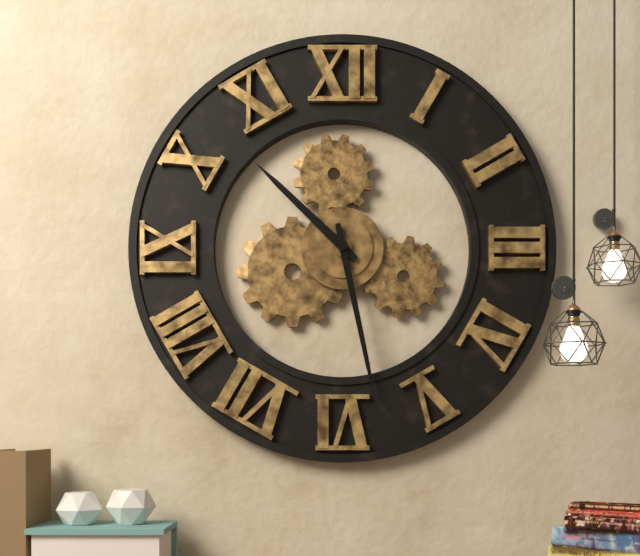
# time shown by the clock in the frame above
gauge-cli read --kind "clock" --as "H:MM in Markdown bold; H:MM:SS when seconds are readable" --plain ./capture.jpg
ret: **10:28**
